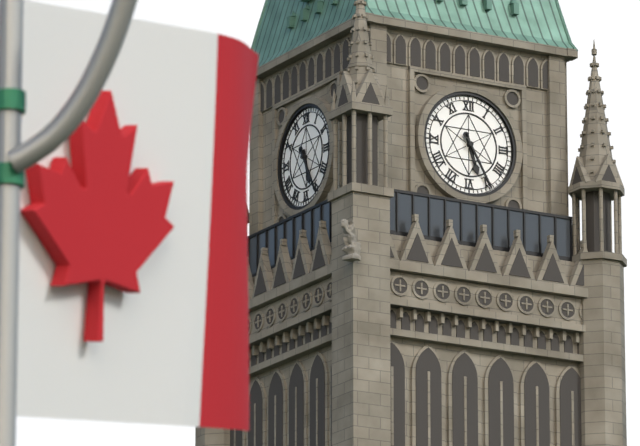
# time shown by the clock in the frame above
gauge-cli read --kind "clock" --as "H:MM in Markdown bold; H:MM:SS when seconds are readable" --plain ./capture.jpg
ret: **5:25**
